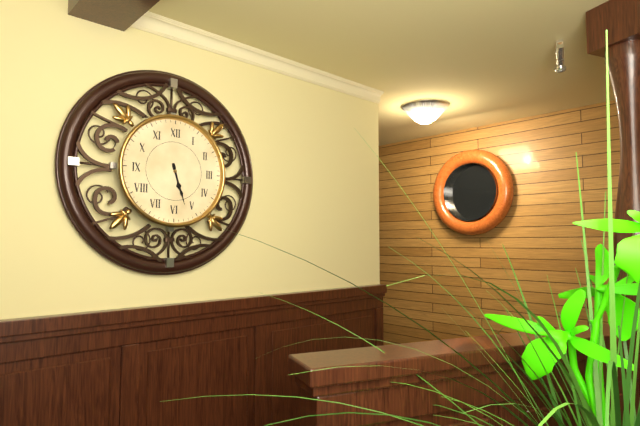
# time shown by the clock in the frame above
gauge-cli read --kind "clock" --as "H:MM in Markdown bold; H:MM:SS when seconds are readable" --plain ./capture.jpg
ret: **5:27**
